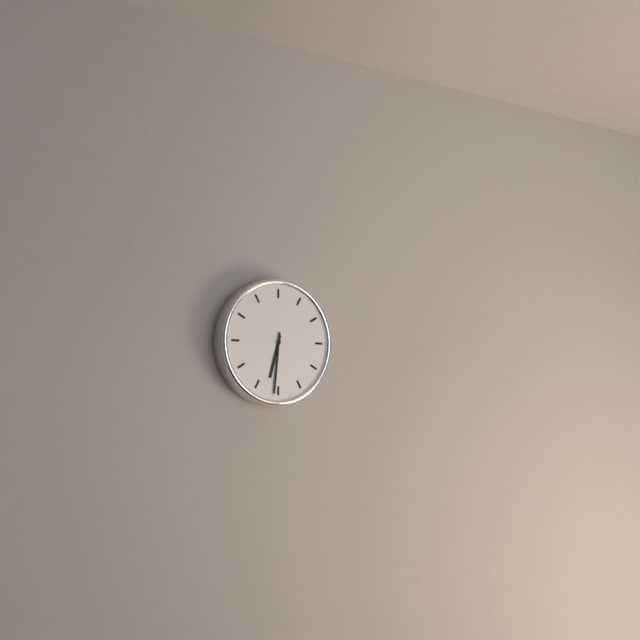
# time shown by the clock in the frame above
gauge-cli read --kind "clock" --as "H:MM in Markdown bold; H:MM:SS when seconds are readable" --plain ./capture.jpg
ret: **6:31**
